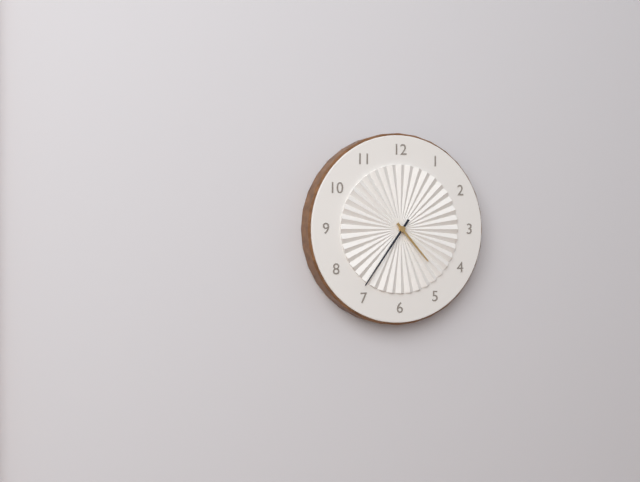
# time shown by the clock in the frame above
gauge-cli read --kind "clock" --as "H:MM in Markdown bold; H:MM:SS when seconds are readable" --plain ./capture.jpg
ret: **4:36**
